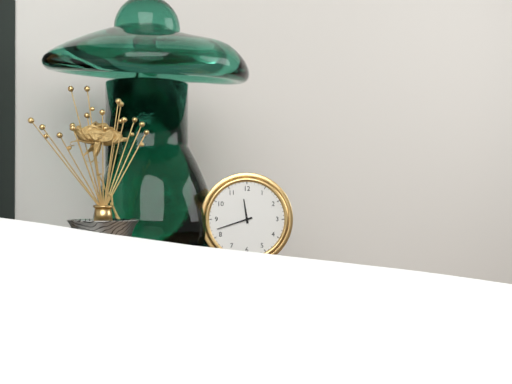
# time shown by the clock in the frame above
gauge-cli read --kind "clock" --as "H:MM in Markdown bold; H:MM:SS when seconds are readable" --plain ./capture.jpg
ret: **11:42**
